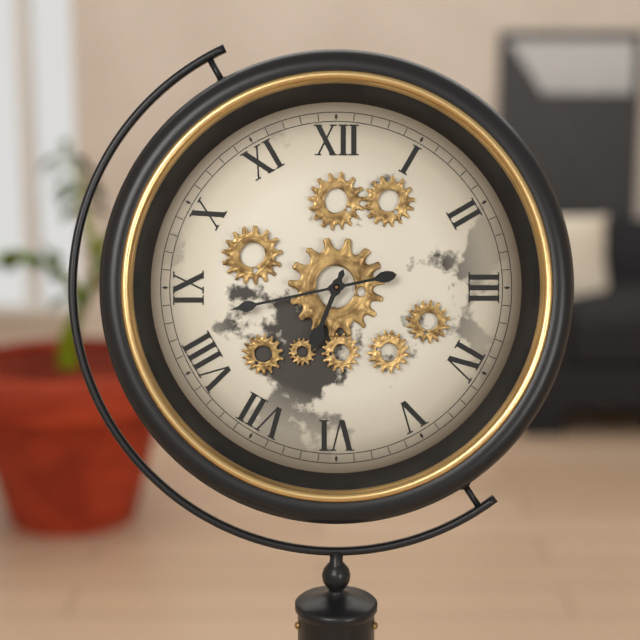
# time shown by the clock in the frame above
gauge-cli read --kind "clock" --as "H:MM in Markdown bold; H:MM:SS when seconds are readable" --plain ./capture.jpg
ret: **6:43**
